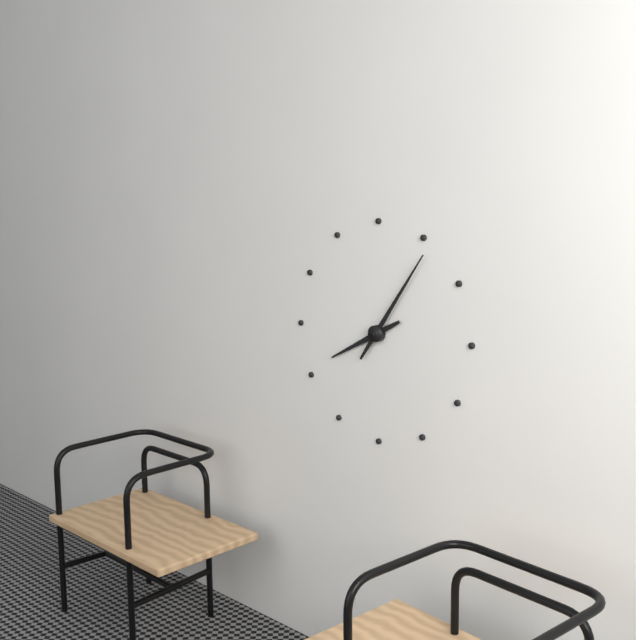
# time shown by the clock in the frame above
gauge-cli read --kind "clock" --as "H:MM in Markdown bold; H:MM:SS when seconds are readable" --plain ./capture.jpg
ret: **8:06**
